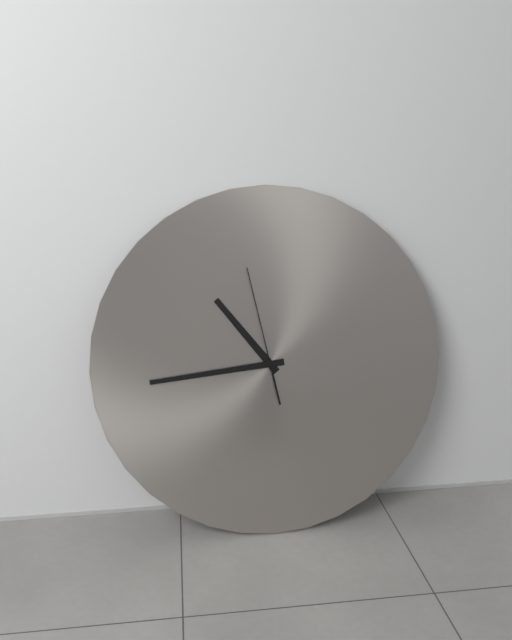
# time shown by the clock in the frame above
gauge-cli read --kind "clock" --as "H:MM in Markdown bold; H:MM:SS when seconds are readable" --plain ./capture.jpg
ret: **10:44:58**
